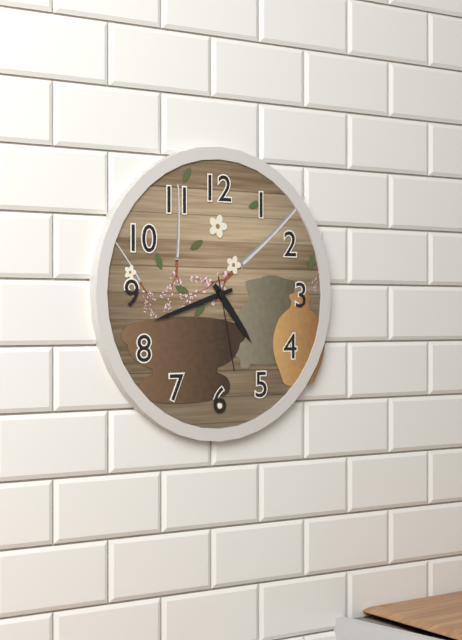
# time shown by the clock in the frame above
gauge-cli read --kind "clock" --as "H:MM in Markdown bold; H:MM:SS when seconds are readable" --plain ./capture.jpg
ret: **4:42:28**
